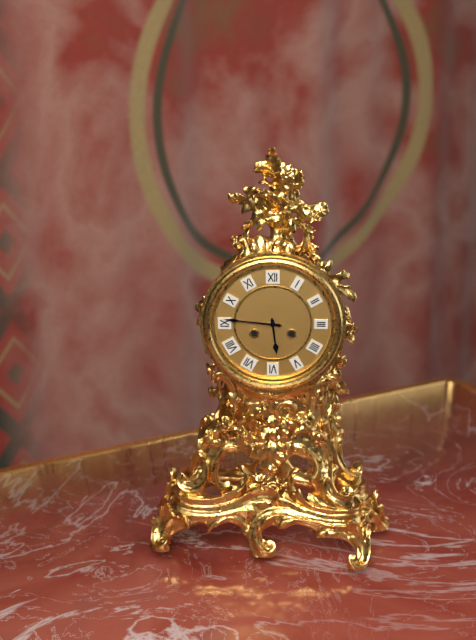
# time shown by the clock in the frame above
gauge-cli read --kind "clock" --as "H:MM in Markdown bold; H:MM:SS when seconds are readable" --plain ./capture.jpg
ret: **5:46**
